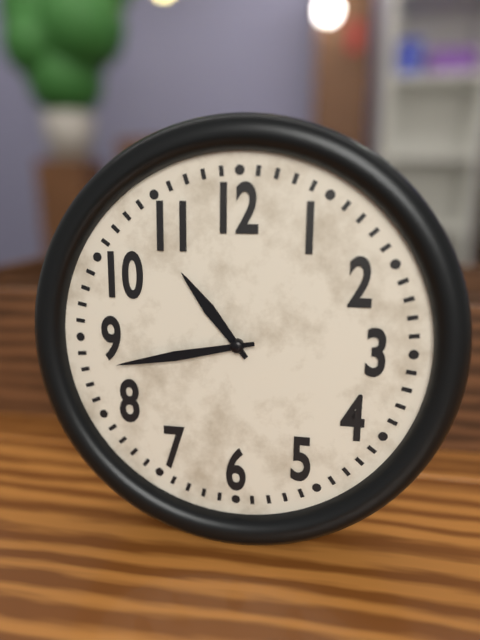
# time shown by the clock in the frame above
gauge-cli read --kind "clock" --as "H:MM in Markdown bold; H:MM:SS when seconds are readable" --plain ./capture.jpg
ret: **10:43**
